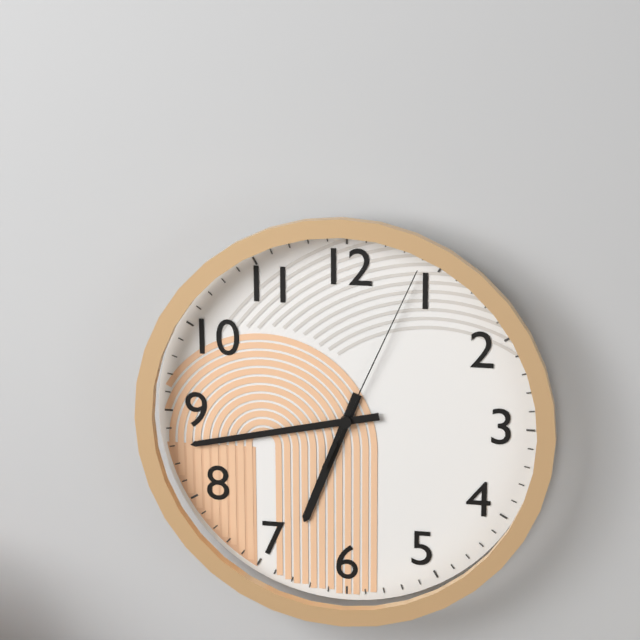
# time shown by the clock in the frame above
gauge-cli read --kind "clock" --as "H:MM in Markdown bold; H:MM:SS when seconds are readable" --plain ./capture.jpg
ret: **6:43:04**
